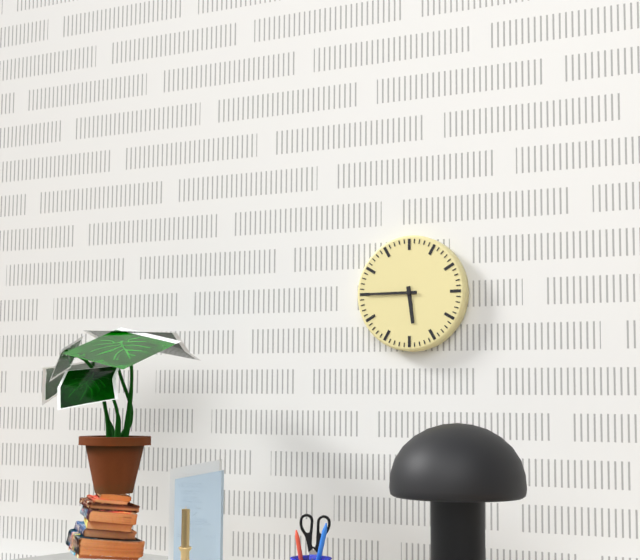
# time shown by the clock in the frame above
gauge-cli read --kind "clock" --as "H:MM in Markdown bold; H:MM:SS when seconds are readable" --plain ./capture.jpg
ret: **5:45**
